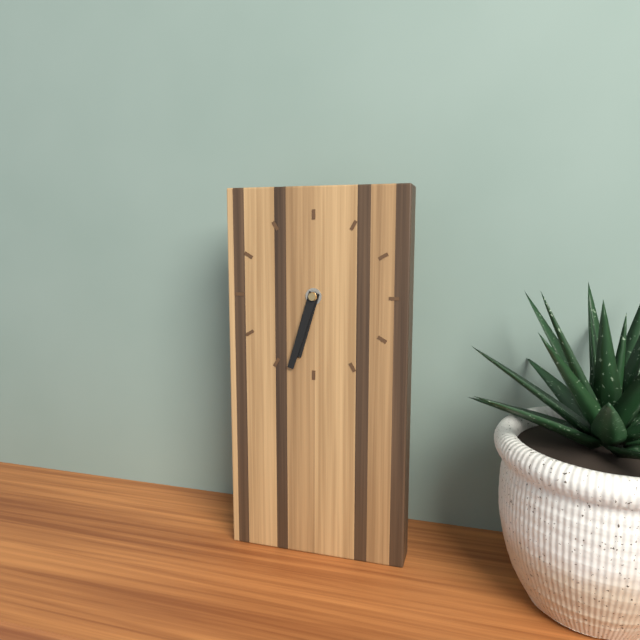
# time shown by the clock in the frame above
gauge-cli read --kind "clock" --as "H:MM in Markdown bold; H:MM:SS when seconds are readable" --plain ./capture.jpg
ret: **6:33**
